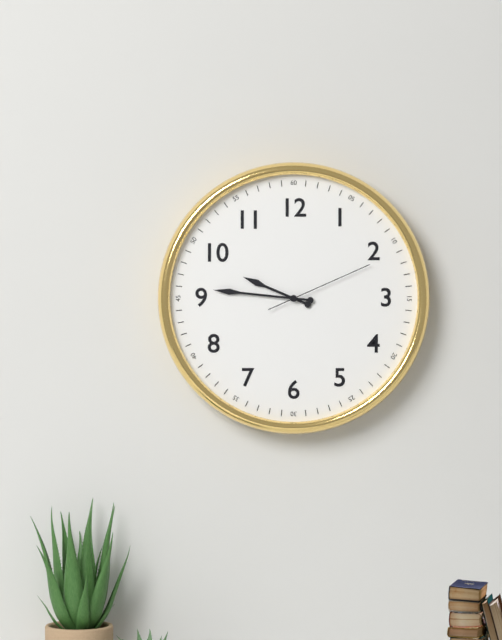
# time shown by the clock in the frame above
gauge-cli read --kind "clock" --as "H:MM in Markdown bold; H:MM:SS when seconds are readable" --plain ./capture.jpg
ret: **9:46:11**
